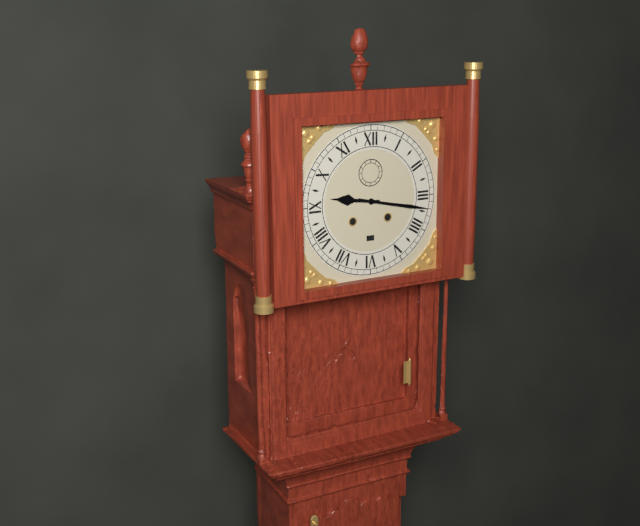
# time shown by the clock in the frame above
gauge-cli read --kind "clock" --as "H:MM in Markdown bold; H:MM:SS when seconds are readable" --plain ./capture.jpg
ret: **9:17**
